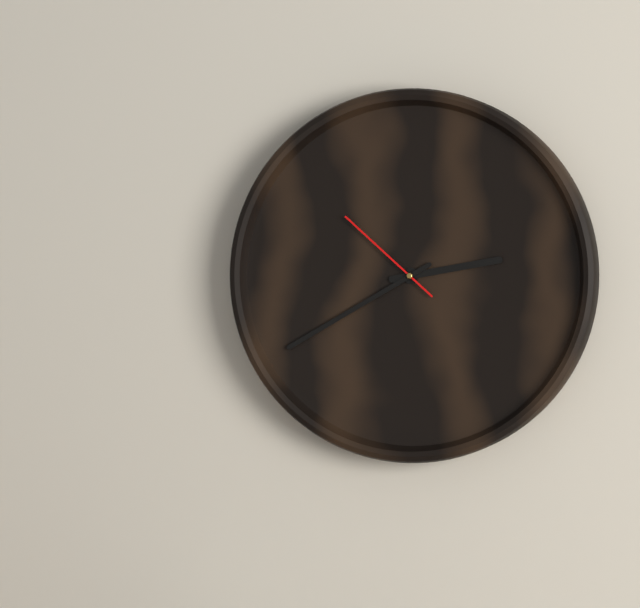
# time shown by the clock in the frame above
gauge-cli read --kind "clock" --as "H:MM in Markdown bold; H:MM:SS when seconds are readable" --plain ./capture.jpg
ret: **2:40:52**
